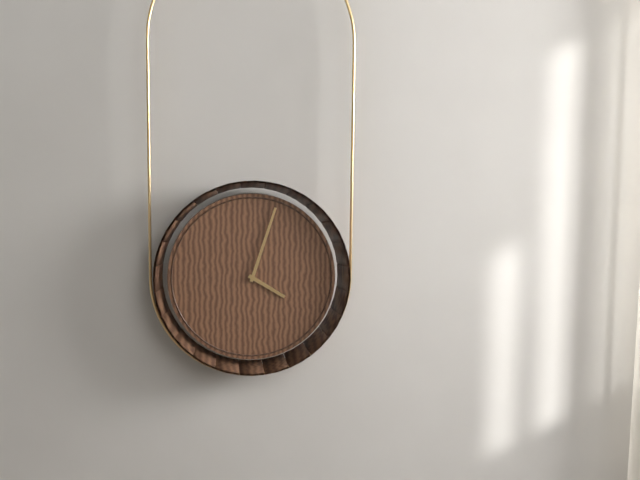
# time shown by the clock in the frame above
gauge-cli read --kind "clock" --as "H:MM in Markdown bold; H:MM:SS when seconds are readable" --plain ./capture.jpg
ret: **4:03**
